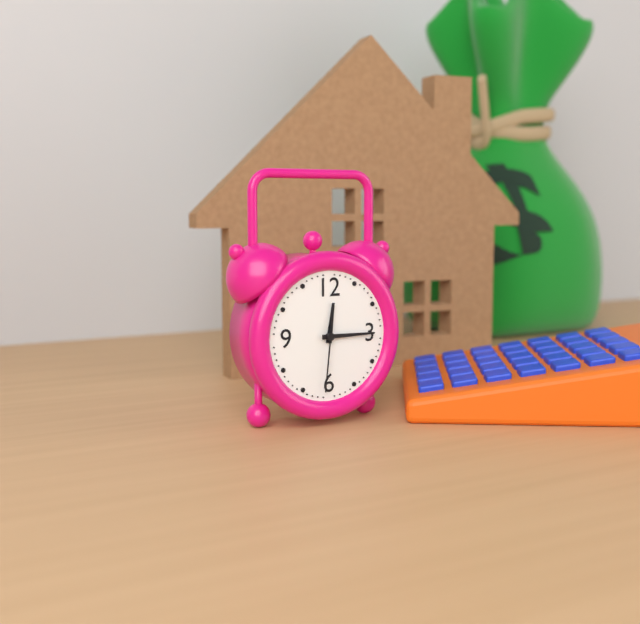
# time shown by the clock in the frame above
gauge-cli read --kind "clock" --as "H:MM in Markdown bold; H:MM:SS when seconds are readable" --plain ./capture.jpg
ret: **12:15:31**
